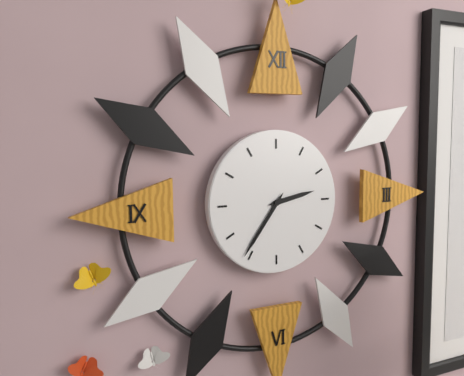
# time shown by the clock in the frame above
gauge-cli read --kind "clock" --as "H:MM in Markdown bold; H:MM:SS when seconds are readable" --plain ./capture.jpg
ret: **2:36**
